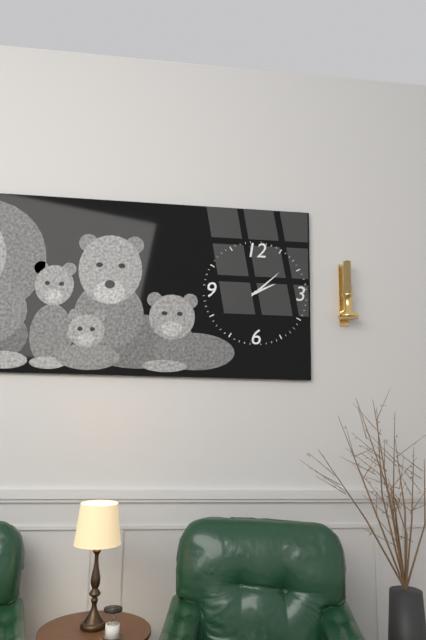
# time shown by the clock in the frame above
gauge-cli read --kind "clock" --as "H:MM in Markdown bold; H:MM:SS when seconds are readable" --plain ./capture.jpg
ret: **2:08**
